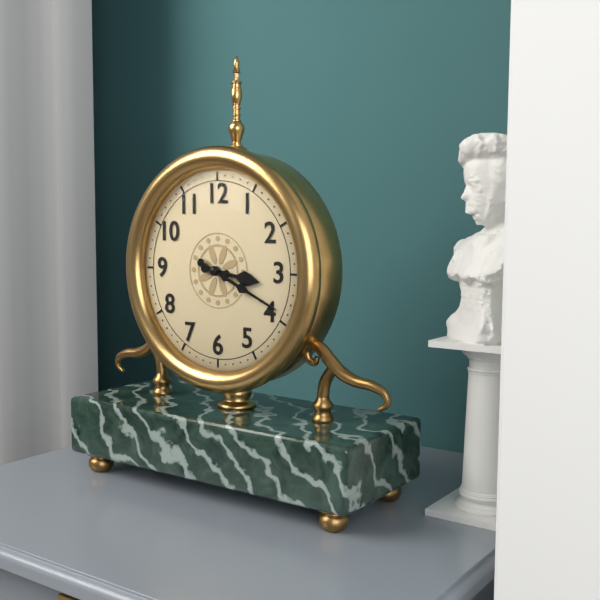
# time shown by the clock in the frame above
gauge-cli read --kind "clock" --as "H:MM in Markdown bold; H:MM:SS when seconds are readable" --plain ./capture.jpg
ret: **3:19**
